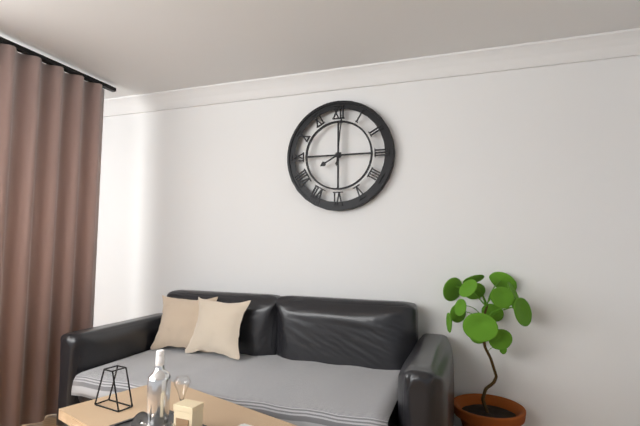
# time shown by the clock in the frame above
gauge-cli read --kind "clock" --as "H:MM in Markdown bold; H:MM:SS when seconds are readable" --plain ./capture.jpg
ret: **8:01**
